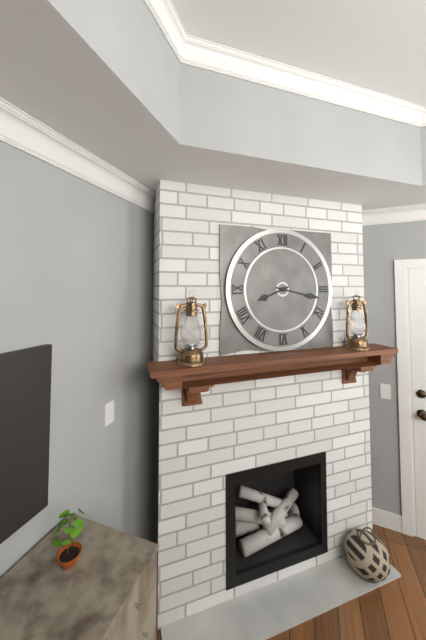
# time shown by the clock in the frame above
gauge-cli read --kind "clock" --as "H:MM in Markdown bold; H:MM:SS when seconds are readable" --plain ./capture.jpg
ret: **8:17**
